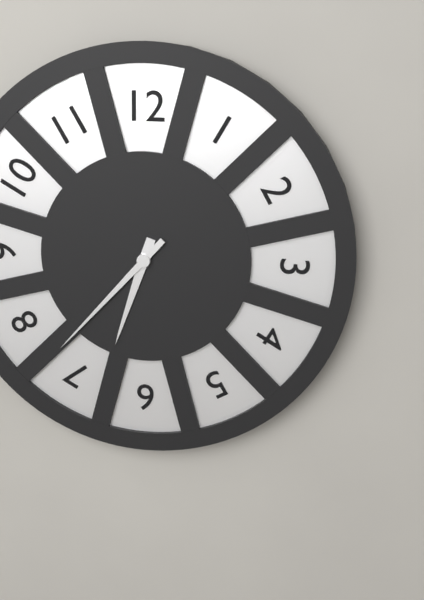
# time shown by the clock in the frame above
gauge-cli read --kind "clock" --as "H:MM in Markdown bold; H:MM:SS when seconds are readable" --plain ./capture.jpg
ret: **6:37**
